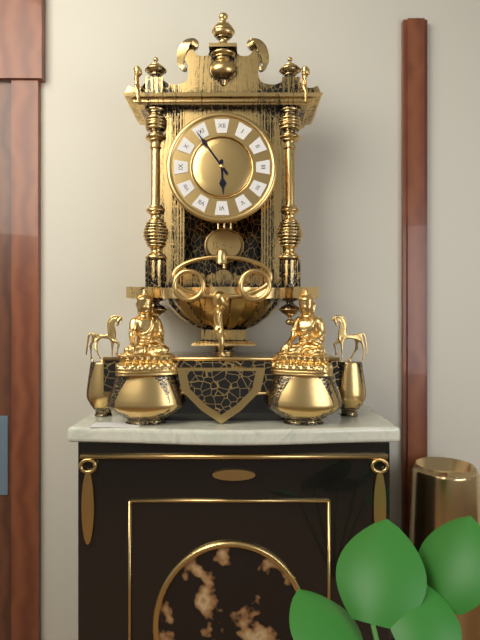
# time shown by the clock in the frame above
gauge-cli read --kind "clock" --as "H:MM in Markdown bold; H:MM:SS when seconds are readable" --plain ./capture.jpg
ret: **5:54**
